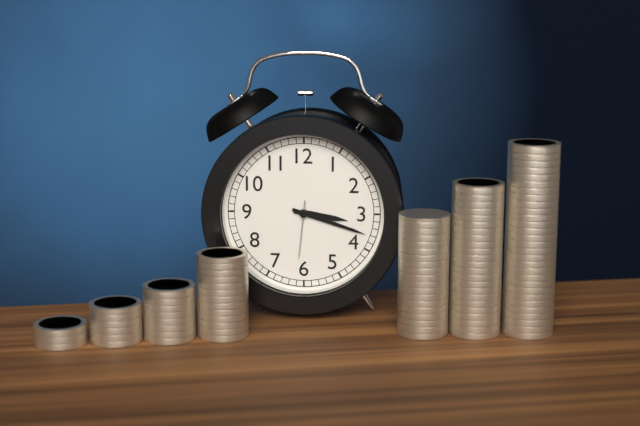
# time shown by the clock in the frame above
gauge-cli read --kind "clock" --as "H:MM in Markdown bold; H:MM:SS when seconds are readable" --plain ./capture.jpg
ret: **3:18:31**
